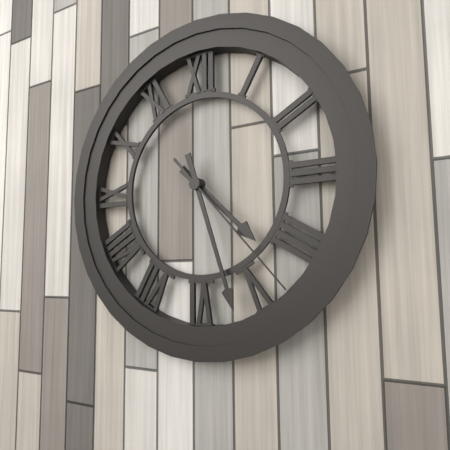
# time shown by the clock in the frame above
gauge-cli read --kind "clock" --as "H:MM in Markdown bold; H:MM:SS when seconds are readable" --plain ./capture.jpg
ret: **4:27:23**
